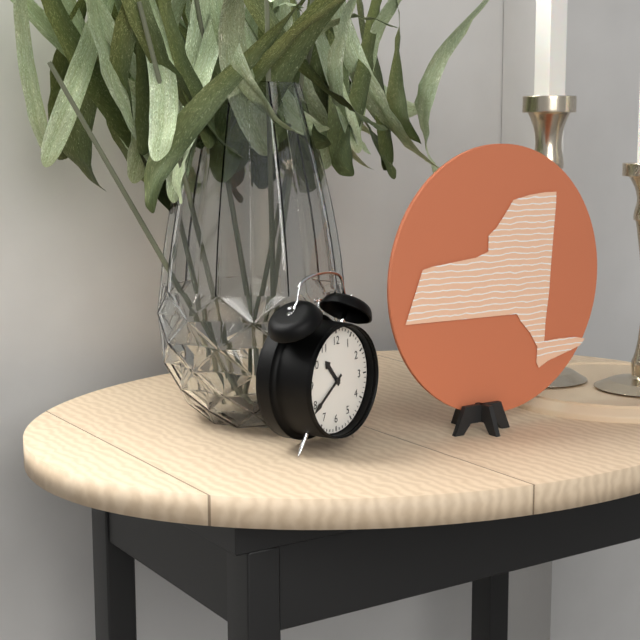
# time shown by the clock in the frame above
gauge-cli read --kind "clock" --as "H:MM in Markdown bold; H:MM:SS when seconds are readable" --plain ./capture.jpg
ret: **10:39**
